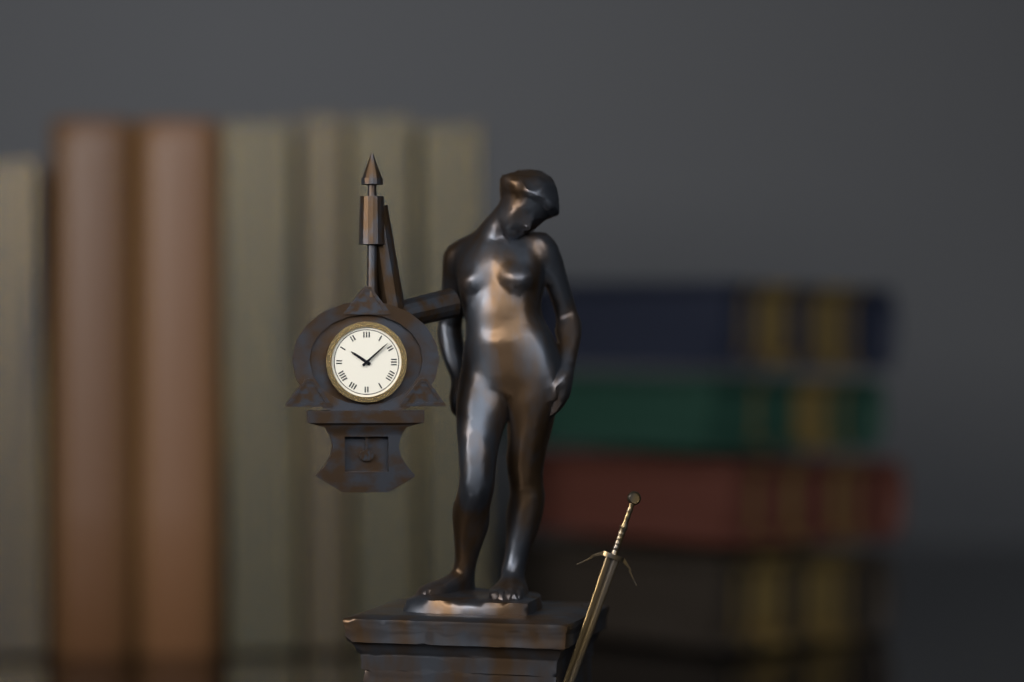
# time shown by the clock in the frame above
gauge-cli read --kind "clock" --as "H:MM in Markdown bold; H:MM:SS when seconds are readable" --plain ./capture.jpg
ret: **10:08**
